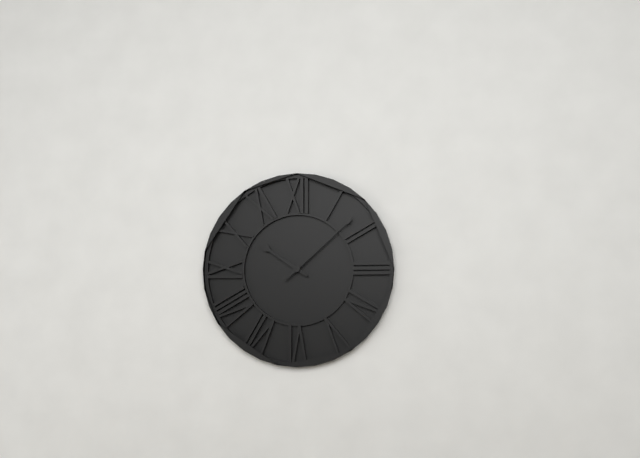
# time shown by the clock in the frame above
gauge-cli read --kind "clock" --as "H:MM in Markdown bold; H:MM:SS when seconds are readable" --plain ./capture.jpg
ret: **10:08**
